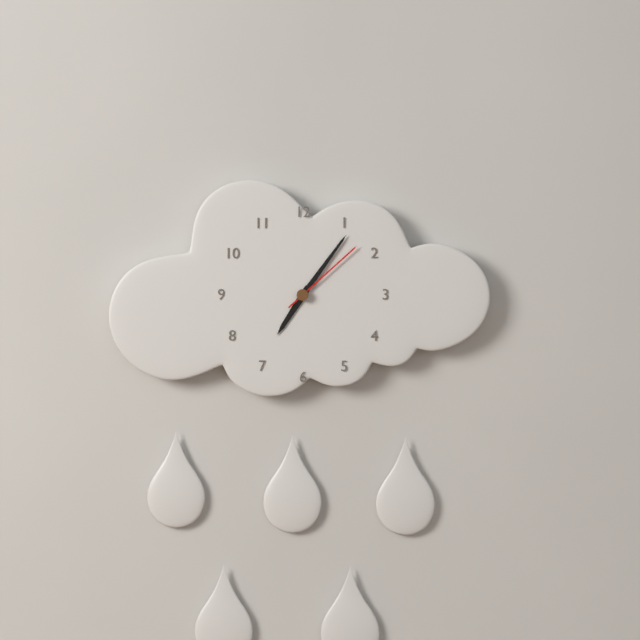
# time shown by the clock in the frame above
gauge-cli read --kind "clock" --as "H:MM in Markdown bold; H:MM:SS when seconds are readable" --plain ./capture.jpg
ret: **7:06:08**
